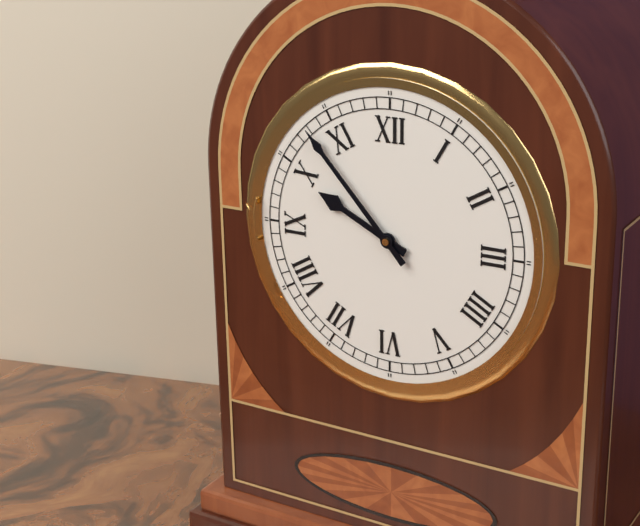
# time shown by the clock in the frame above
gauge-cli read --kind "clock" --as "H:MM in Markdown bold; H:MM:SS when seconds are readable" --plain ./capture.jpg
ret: **9:53**
